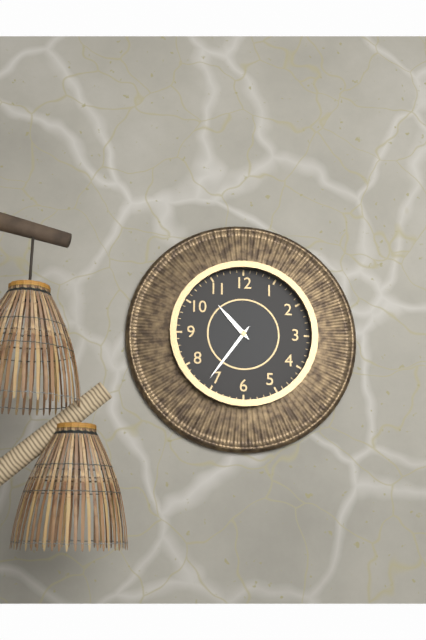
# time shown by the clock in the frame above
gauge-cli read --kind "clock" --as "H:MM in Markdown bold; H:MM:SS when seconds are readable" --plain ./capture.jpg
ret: **10:36**
